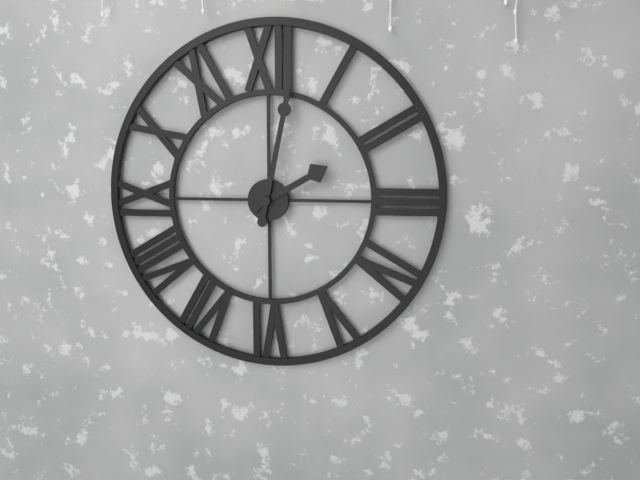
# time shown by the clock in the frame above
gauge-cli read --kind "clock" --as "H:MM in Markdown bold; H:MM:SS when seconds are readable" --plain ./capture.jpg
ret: **2:02**
